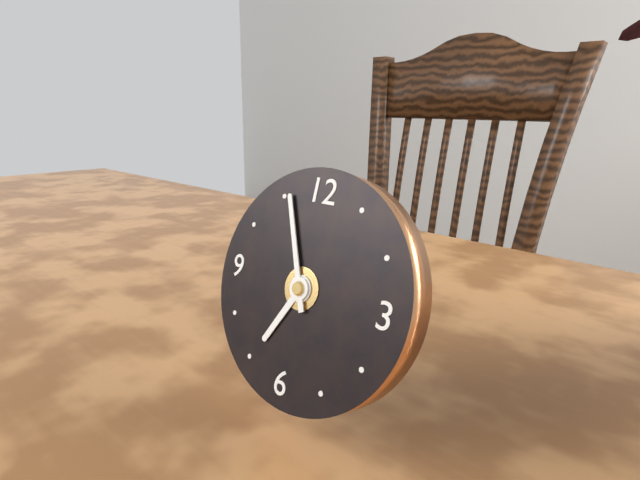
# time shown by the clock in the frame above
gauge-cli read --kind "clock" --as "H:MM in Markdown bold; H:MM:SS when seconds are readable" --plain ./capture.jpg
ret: **6:56**
